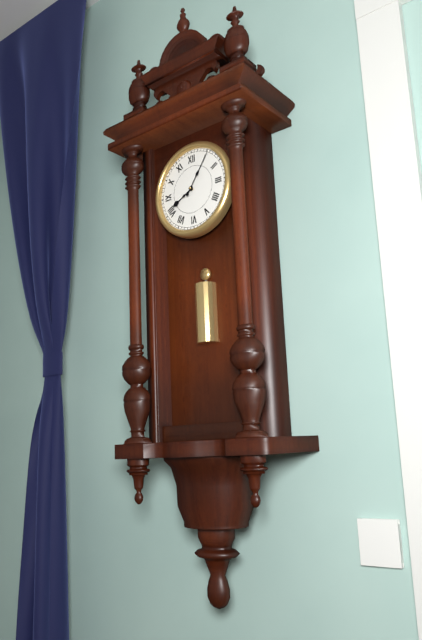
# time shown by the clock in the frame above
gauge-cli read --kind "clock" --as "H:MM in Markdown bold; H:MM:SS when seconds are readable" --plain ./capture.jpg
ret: **8:06**
